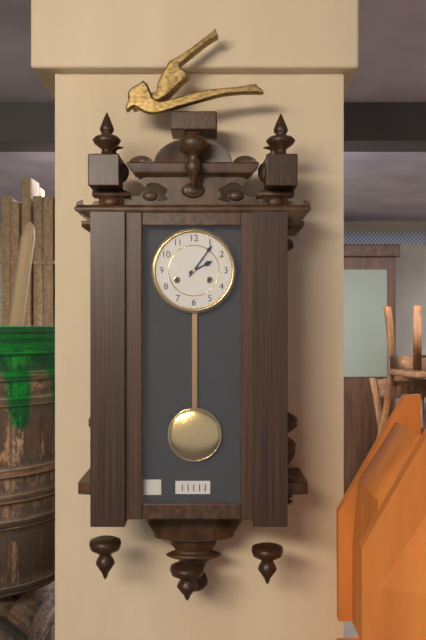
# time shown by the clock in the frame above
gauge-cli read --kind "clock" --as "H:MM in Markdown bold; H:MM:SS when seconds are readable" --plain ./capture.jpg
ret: **2:06**
